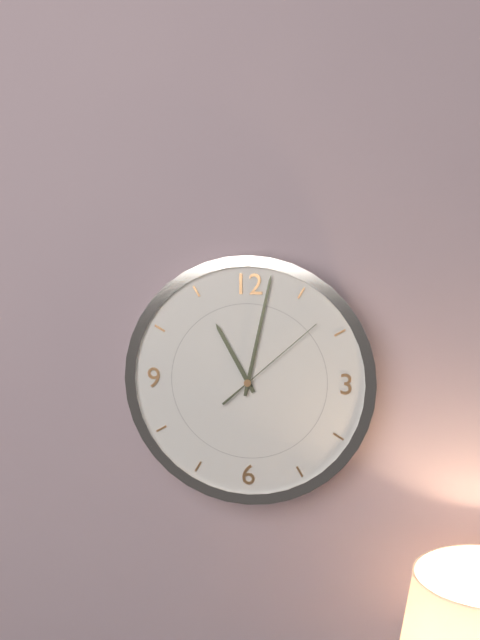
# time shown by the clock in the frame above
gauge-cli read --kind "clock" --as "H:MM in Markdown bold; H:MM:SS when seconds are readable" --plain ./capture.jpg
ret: **11:02:08**
